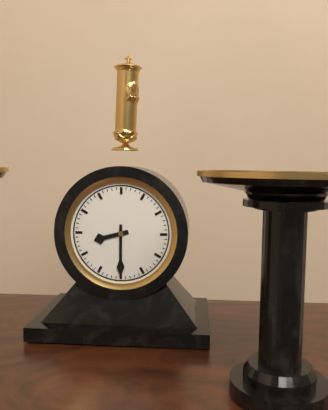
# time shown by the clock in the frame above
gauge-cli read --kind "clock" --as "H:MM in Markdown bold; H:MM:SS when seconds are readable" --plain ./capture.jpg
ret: **8:30**
